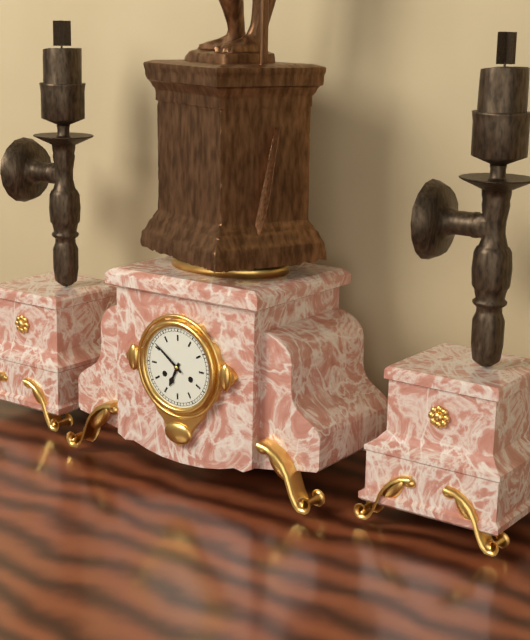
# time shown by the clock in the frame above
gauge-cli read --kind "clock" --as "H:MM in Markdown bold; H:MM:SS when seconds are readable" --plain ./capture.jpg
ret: **6:51**
